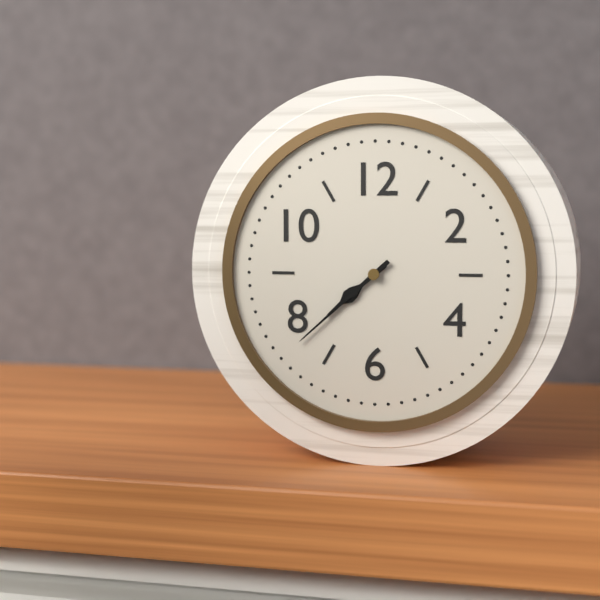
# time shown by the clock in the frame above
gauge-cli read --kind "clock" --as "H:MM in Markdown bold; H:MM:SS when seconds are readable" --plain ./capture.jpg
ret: **7:38**
